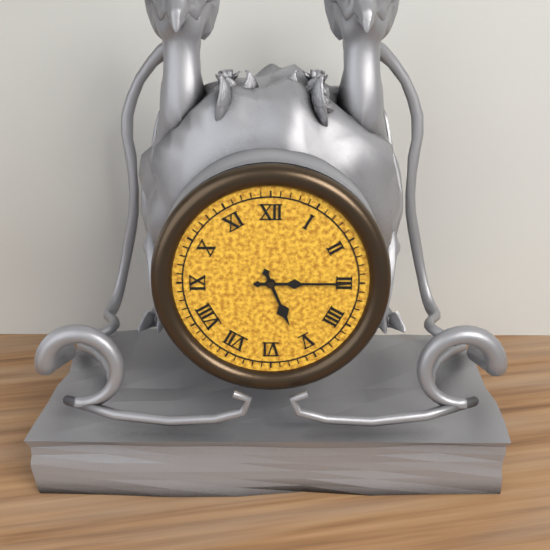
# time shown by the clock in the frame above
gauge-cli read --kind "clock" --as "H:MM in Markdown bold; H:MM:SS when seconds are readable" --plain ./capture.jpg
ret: **5:15**
